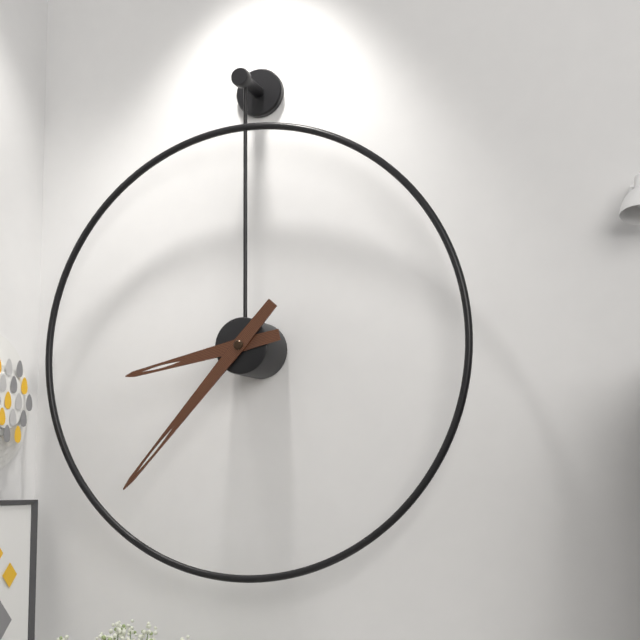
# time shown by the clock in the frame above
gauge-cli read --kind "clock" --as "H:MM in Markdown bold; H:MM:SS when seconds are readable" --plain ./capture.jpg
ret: **8:37**
